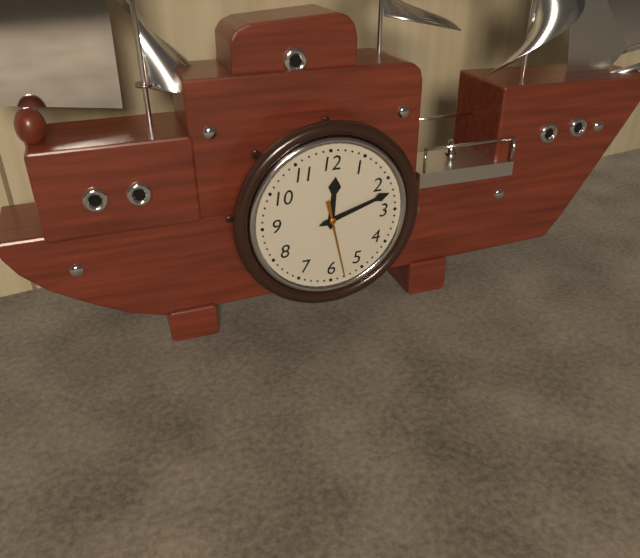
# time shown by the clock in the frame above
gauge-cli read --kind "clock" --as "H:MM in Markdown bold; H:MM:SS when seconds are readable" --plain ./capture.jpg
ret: **12:12:28**
